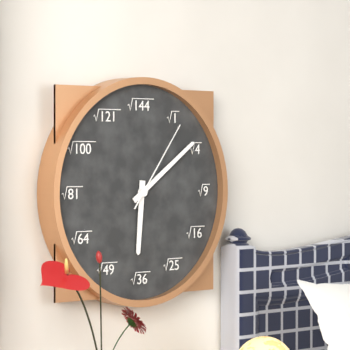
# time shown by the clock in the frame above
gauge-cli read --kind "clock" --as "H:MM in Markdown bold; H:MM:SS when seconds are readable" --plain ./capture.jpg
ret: **6:09:06**
